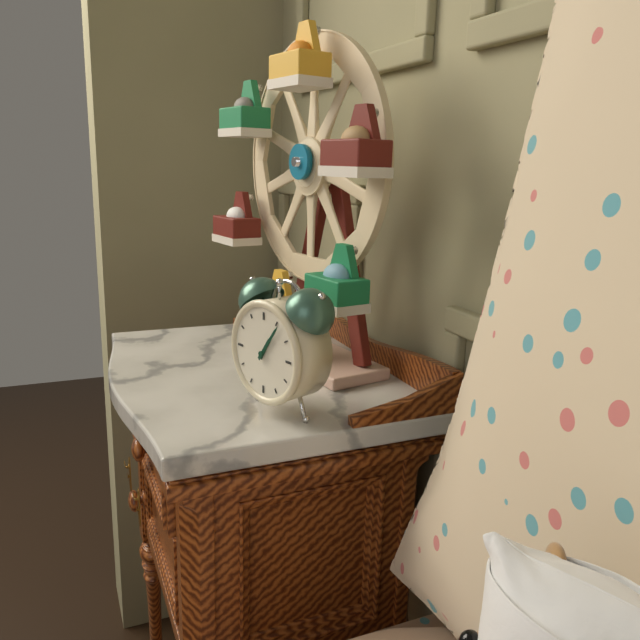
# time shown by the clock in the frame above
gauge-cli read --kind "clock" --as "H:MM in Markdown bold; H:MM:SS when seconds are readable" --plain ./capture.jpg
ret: **1:06**
